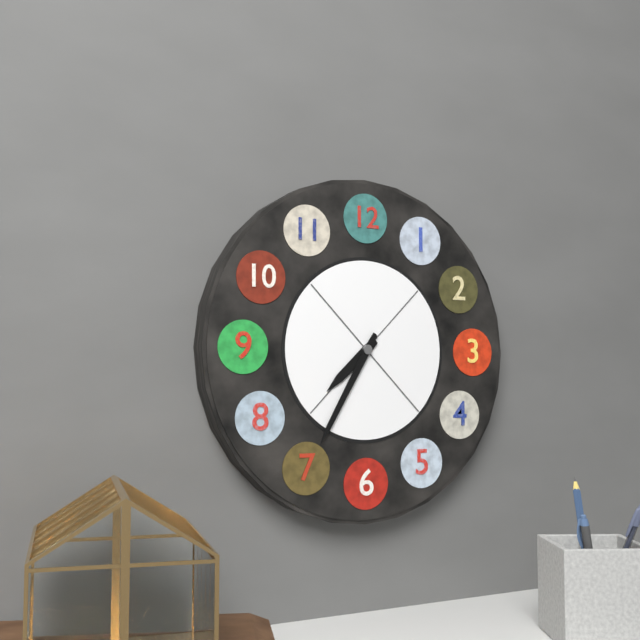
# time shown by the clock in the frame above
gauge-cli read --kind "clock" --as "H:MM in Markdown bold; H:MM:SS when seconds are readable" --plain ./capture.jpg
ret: **7:35**
